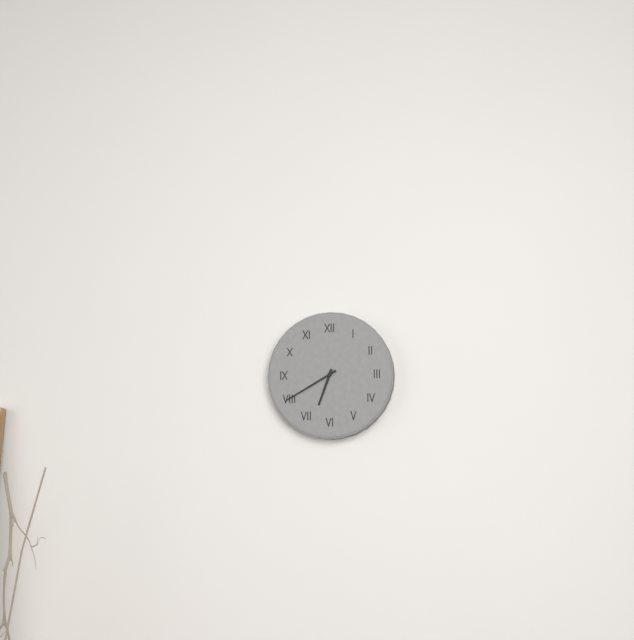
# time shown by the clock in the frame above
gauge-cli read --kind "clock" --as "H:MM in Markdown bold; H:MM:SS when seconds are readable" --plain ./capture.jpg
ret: **6:40**
